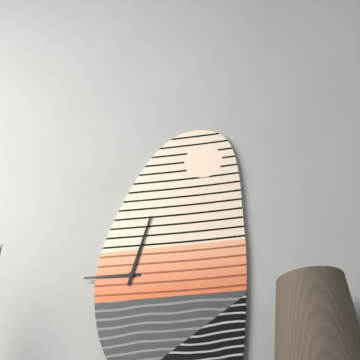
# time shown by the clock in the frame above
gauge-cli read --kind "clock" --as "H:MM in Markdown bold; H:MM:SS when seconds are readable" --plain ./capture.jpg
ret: **9:03**
